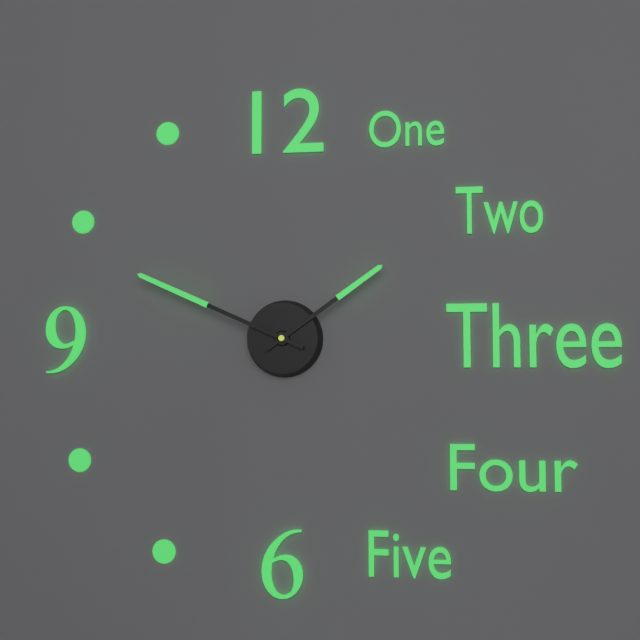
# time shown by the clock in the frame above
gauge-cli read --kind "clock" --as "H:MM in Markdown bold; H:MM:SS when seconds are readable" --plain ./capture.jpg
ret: **1:49**
